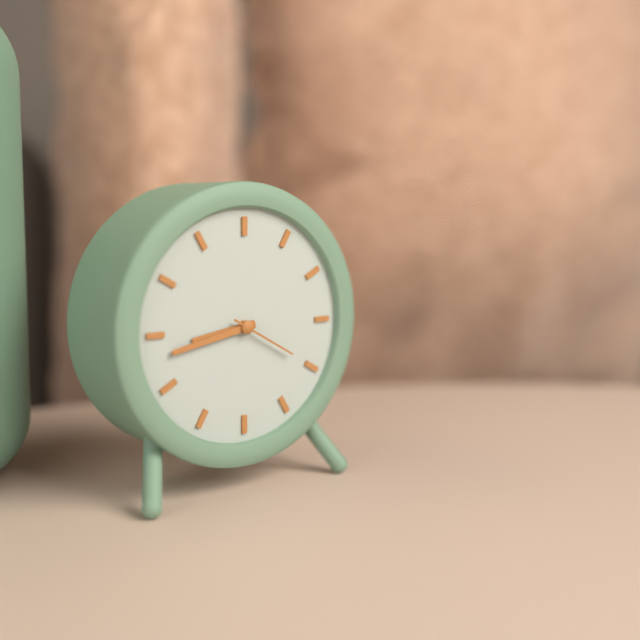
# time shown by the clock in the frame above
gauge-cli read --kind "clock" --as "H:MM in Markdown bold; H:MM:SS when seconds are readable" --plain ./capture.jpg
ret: **8:43:20**
